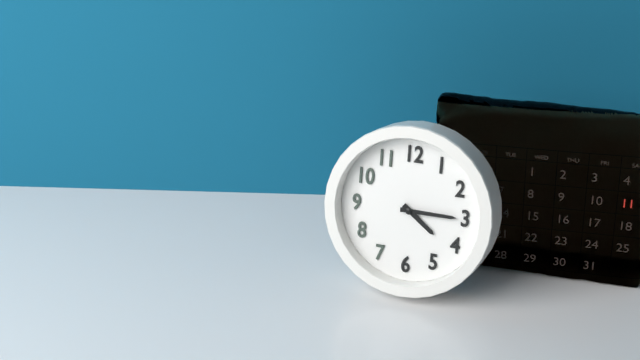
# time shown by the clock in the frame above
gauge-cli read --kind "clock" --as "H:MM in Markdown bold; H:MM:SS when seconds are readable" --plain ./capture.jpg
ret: **4:15**
